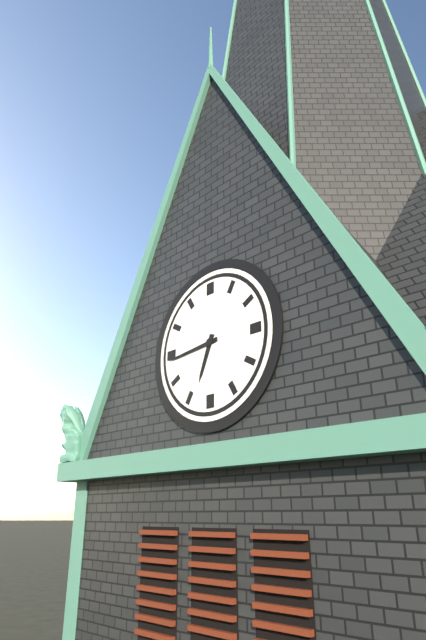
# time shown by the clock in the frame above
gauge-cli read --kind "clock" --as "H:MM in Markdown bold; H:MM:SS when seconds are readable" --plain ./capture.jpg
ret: **6:44**
